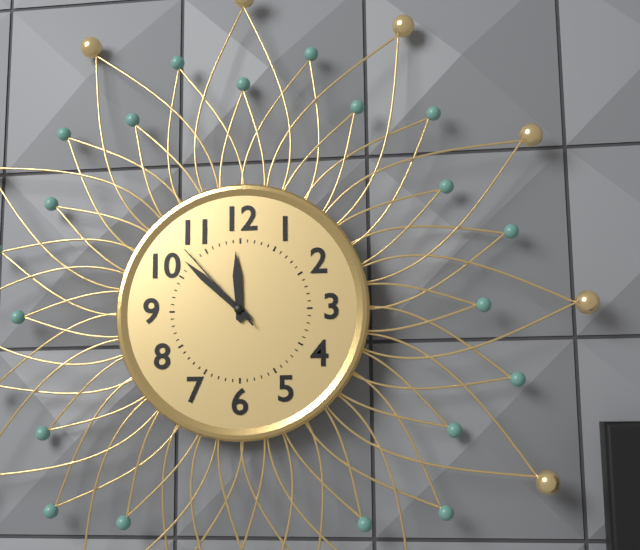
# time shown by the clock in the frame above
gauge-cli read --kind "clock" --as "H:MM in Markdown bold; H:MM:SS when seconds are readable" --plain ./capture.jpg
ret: **11:52:53**
